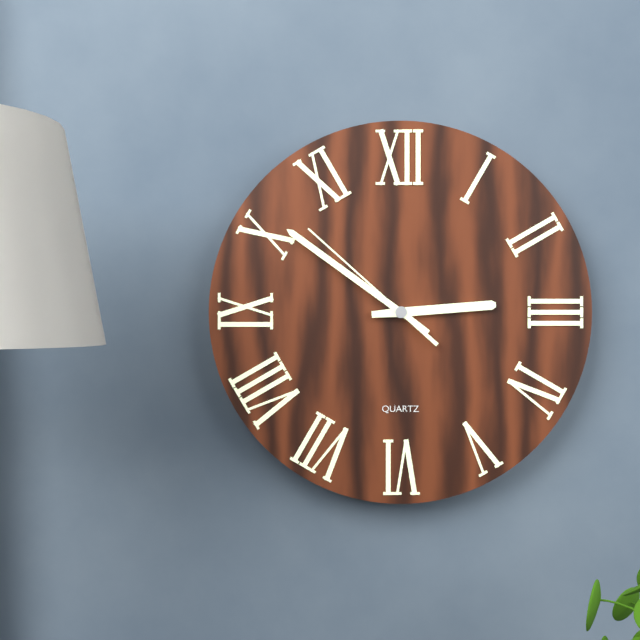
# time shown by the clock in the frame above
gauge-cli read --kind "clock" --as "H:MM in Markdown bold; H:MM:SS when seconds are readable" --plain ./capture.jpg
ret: **2:51:52**
